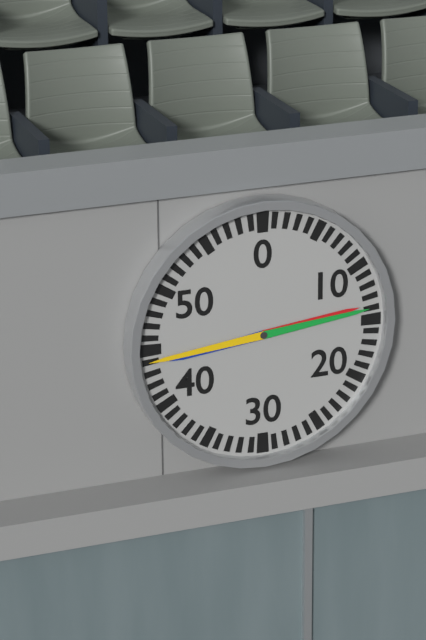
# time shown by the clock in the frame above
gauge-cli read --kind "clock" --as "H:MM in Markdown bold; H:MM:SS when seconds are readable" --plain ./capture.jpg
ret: **2:44**
